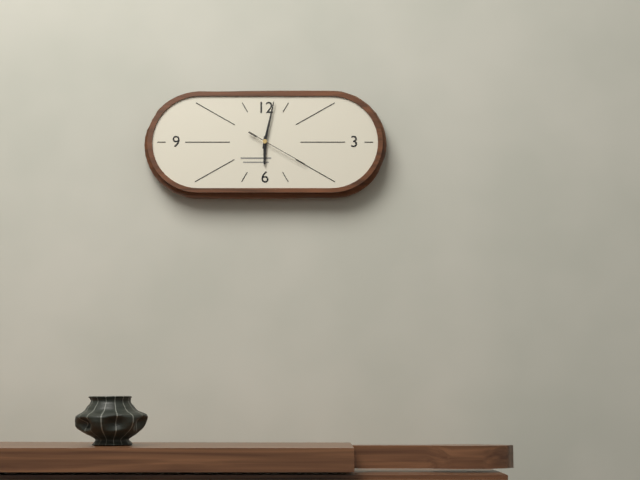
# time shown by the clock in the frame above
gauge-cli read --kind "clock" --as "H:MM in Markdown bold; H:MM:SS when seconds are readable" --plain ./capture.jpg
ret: **6:02:20**
